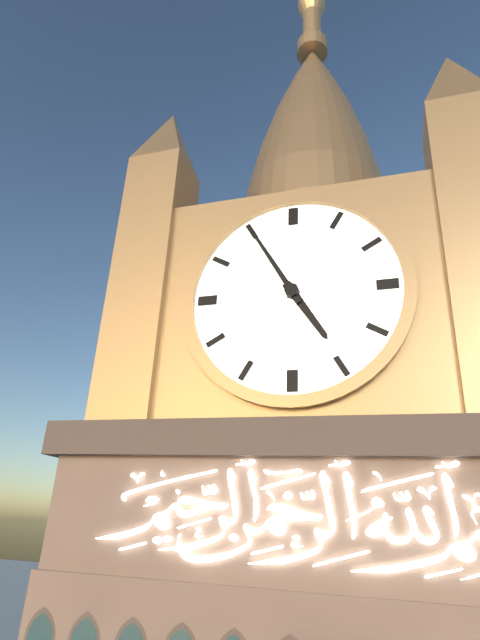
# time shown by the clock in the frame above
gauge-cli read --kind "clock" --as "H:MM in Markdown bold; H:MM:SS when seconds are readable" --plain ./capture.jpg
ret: **4:55**
